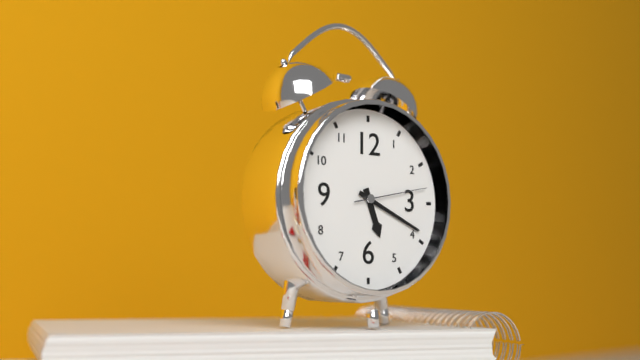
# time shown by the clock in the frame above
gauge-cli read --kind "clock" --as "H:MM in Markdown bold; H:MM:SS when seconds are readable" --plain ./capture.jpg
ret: **5:19:13**
